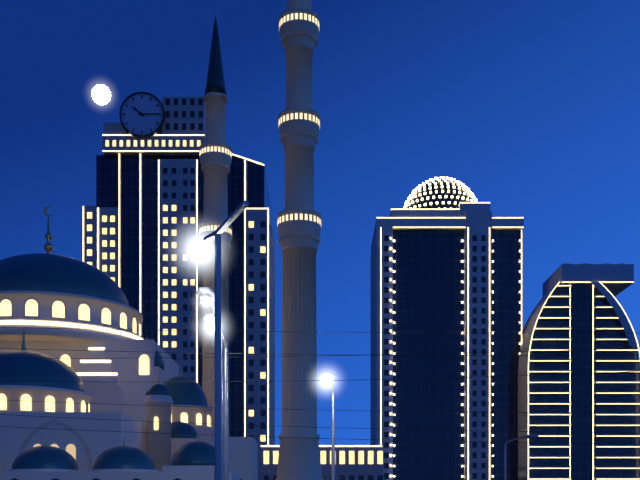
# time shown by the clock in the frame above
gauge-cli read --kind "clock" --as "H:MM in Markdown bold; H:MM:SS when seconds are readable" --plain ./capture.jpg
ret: **10:15**
